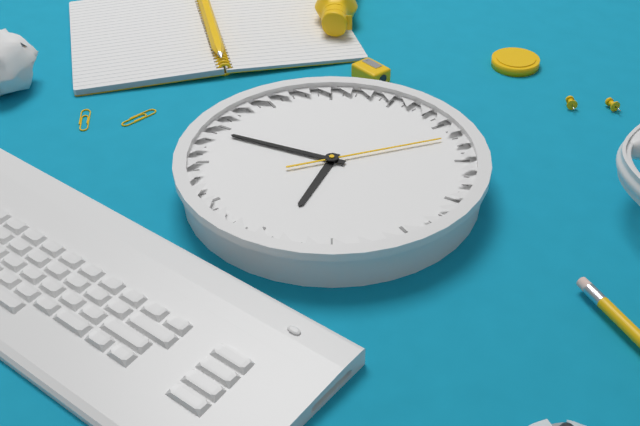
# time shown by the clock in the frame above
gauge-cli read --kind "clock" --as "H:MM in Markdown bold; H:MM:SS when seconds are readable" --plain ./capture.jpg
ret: **5:44:07**
